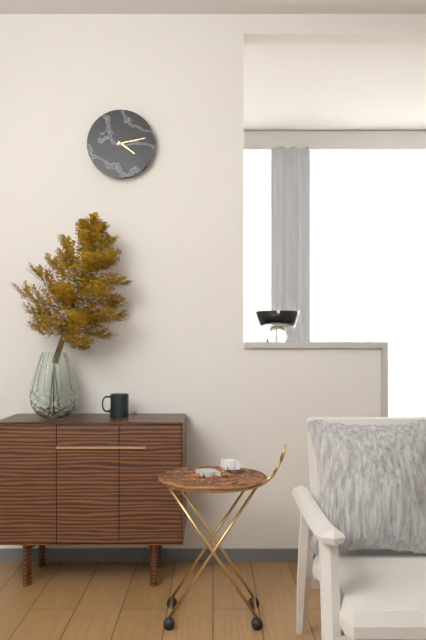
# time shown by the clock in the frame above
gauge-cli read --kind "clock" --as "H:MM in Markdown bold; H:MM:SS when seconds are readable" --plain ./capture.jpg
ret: **4:13**
